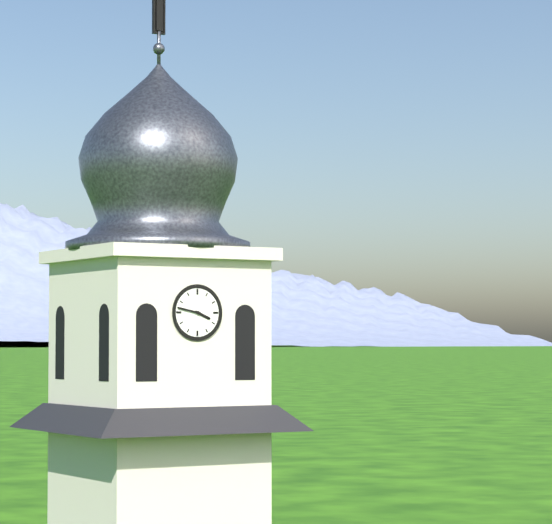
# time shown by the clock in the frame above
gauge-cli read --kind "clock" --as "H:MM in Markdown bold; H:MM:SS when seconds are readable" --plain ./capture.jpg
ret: **3:47**
